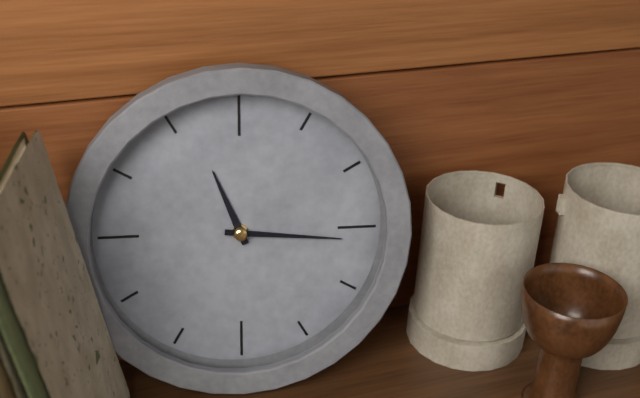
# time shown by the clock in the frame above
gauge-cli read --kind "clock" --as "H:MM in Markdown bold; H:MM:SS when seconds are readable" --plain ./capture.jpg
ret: **11:16:16**
